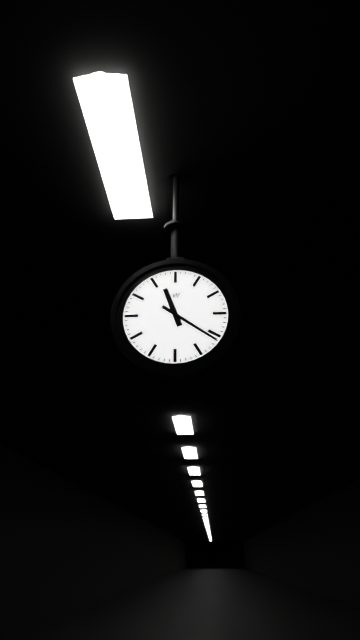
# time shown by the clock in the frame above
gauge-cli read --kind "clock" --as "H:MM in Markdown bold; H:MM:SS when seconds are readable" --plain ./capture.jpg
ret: **11:21**
